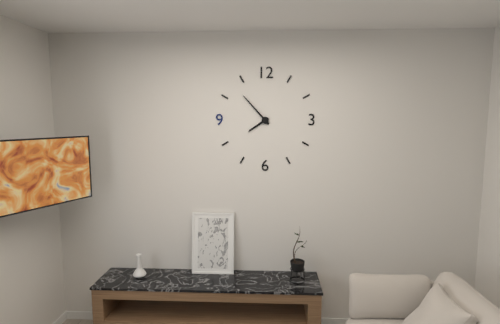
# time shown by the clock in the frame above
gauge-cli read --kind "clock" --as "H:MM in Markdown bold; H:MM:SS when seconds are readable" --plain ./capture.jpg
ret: **7:53**
